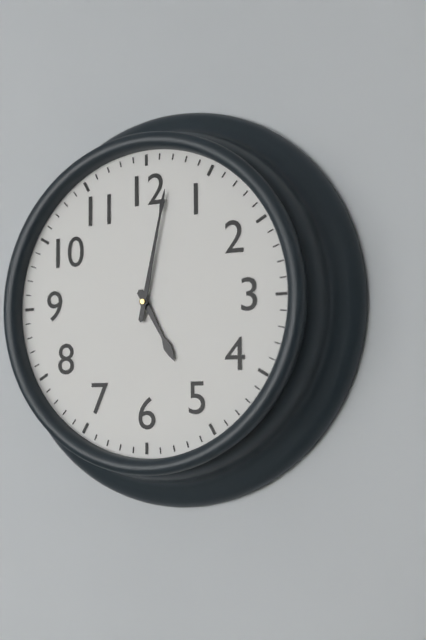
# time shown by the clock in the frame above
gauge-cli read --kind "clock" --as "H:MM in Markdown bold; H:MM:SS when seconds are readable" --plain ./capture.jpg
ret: **5:02**
